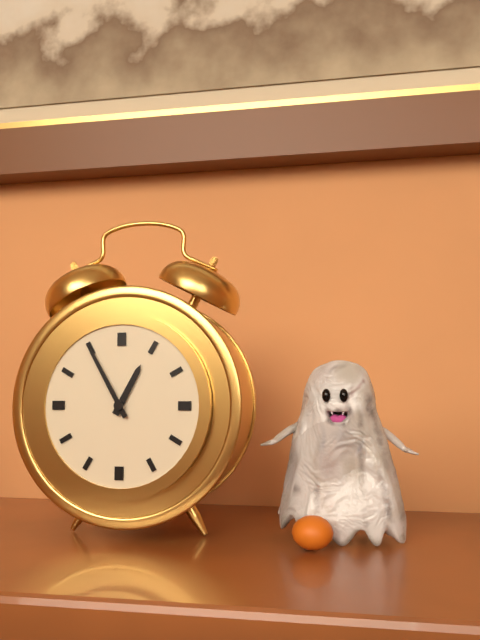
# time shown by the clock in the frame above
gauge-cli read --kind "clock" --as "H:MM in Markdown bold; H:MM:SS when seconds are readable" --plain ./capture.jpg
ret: **12:55**
